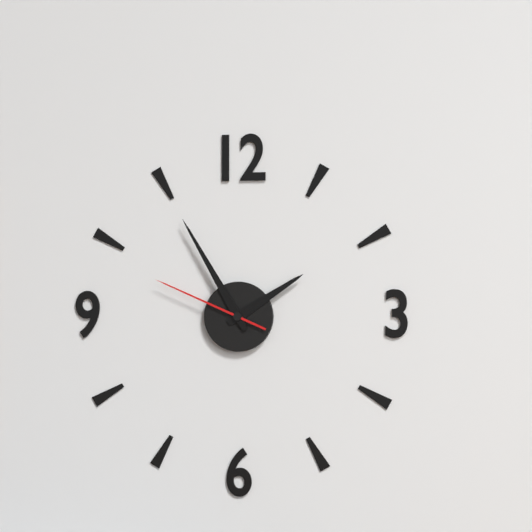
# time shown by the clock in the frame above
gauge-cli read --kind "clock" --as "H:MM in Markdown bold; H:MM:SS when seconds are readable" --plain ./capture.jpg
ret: **1:55:49**
